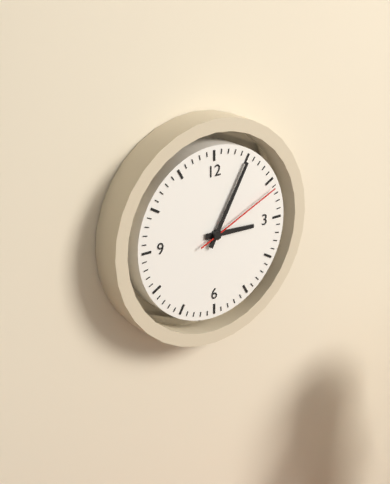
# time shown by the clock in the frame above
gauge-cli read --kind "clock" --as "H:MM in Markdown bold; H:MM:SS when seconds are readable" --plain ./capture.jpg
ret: **3:05:11**
